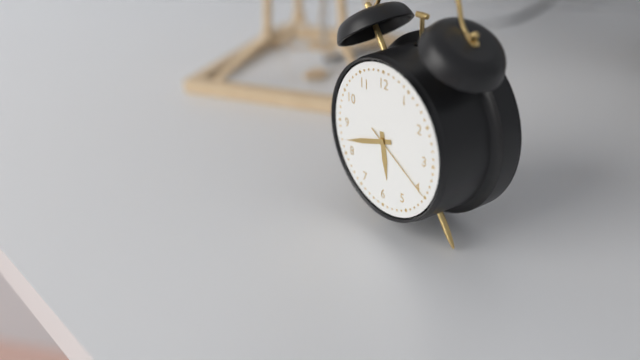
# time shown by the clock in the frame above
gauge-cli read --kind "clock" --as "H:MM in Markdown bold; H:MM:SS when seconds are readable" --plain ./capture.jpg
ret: **5:42:20**
